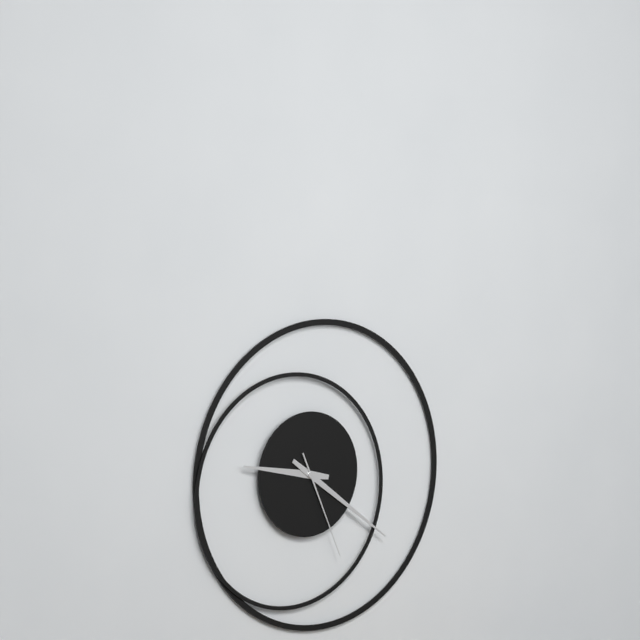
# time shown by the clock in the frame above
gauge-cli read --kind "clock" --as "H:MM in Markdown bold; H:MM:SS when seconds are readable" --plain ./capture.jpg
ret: **9:21:26**
